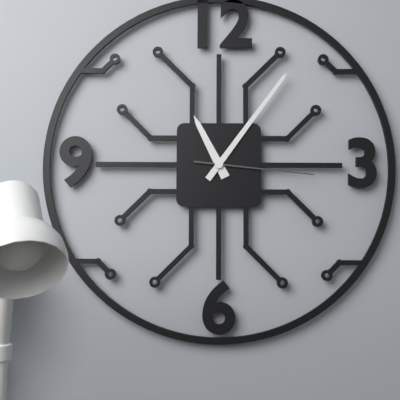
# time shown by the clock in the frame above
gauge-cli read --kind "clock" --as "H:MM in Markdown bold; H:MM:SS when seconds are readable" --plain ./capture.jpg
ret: **11:06:16**
